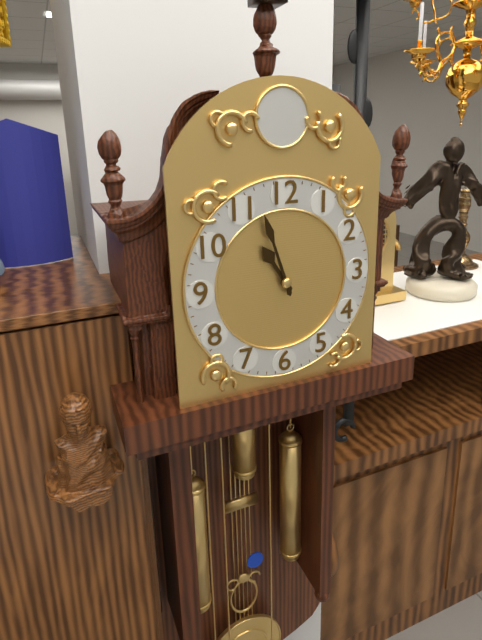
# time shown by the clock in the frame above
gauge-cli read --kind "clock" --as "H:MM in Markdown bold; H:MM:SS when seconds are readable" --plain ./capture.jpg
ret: **10:57**
